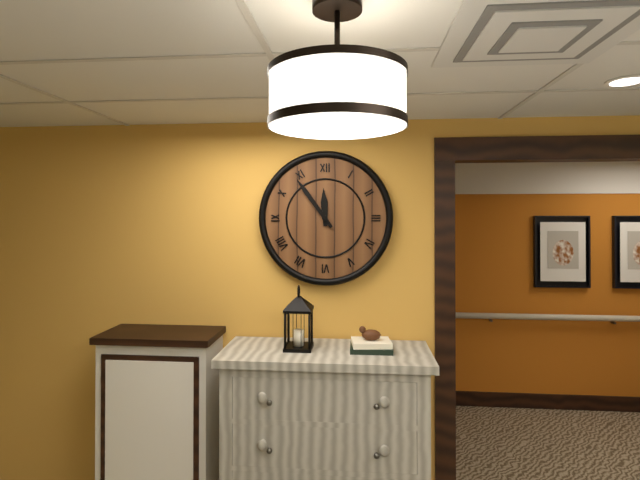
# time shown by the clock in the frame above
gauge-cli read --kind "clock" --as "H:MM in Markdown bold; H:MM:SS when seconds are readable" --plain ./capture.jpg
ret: **11:54**
